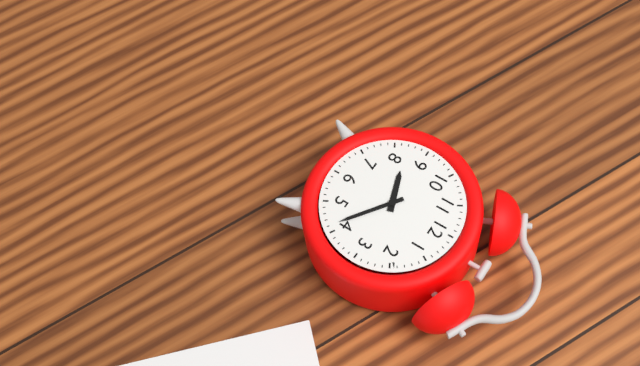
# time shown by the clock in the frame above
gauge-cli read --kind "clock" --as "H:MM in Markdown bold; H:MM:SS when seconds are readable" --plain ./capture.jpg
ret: **8:21**
